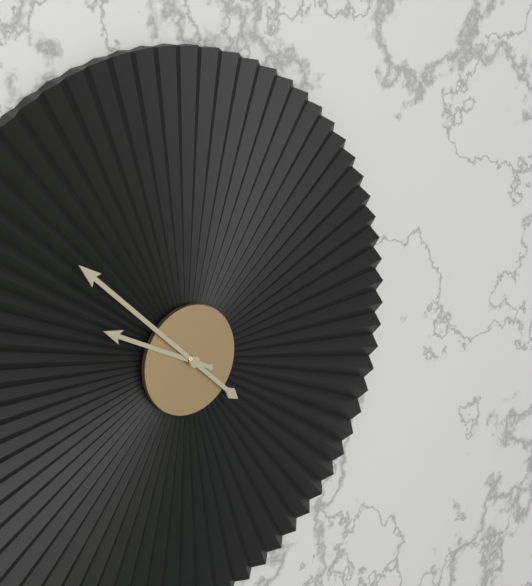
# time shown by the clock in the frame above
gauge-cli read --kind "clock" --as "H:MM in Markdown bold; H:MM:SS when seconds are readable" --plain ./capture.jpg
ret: **9:52**
